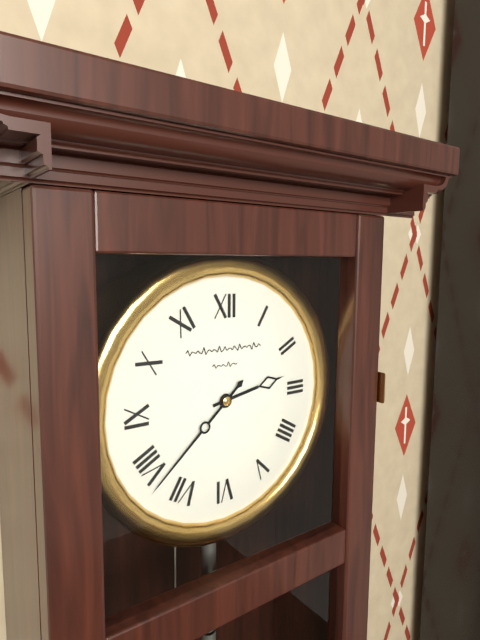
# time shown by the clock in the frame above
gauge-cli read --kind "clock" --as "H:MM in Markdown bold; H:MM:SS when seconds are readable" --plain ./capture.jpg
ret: **2:38**
